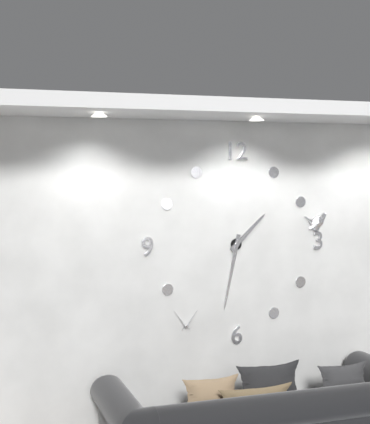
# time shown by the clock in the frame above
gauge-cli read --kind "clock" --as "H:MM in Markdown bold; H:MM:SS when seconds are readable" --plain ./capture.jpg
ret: **1:32**
